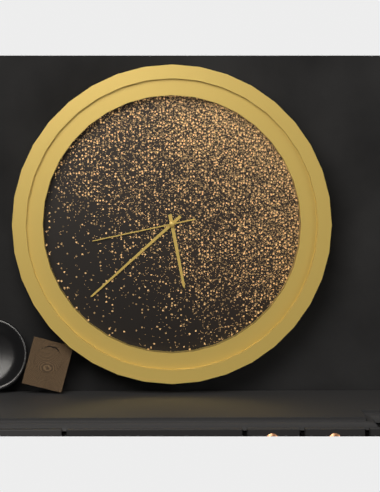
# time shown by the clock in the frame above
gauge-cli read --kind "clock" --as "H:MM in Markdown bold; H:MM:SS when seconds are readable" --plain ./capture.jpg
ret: **5:38:43**
